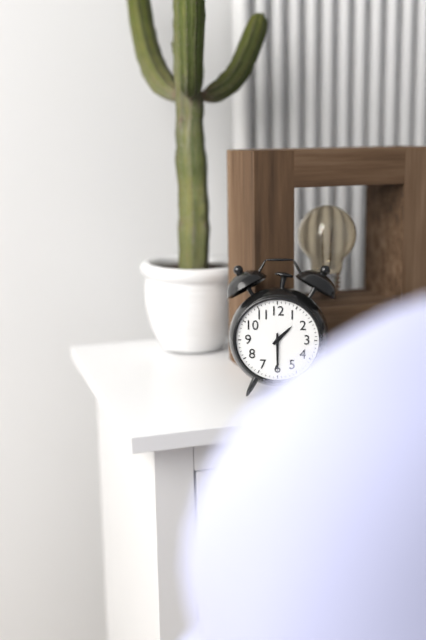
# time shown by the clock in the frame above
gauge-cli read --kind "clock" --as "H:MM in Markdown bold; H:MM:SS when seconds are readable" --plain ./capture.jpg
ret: **1:30**
